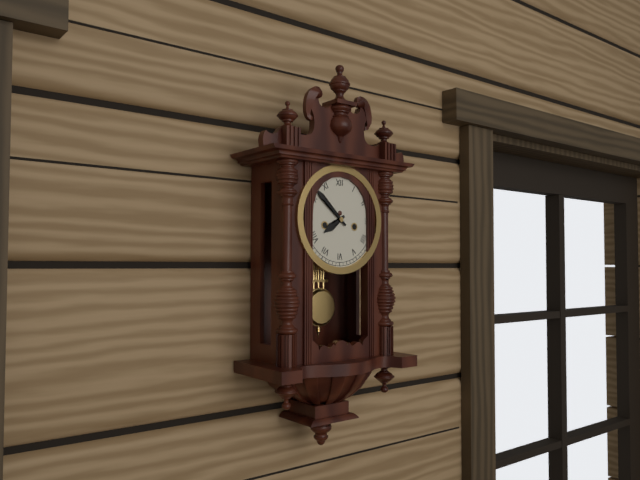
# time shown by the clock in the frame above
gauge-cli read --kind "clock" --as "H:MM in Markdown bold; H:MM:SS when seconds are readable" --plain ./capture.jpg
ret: **7:52**
